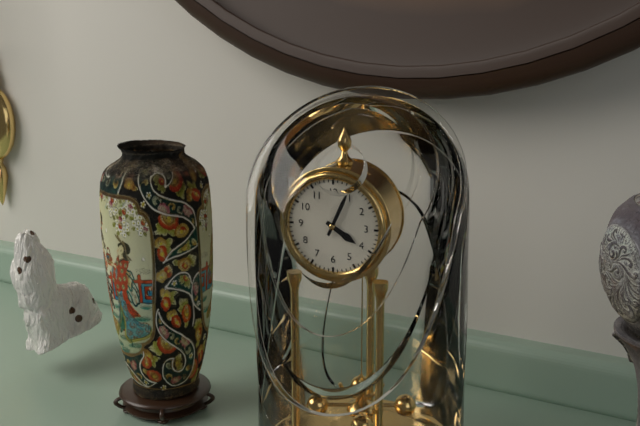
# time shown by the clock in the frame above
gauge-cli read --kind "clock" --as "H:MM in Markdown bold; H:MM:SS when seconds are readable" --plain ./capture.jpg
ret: **4:04**
